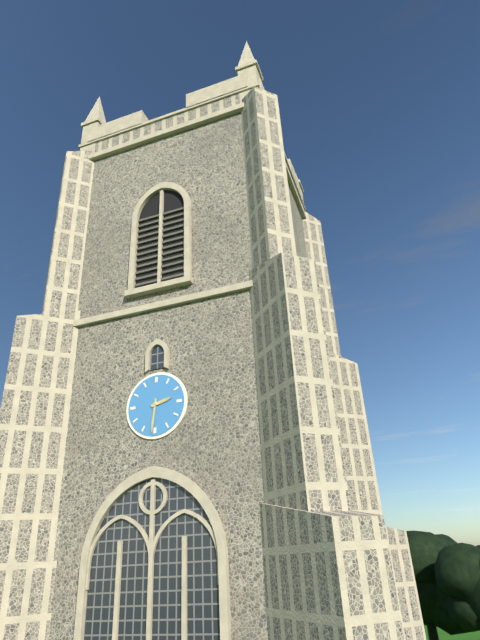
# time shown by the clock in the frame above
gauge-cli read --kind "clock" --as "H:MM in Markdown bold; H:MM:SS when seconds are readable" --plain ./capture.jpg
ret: **2:31**
